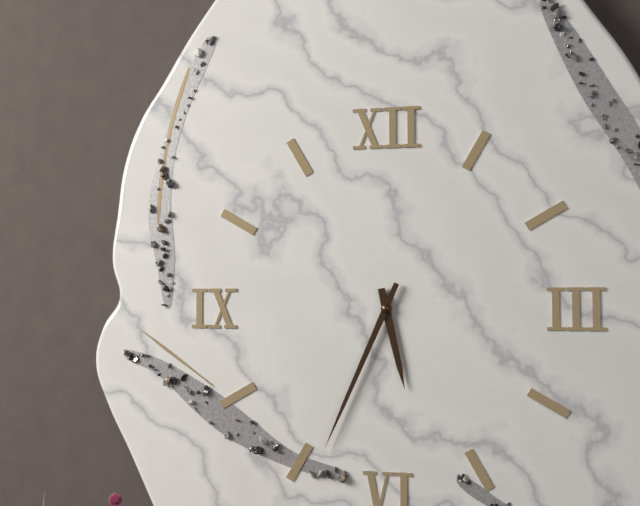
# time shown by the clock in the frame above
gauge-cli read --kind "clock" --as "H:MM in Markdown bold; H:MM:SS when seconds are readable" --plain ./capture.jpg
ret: **5:34**
